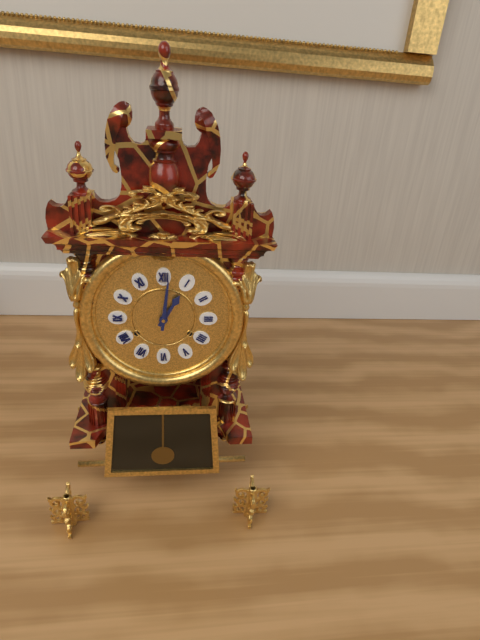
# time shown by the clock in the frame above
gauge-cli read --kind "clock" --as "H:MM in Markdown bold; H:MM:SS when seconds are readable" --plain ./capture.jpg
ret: **1:01**
